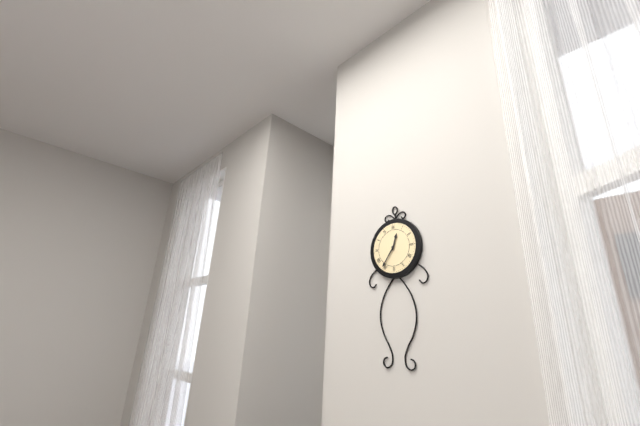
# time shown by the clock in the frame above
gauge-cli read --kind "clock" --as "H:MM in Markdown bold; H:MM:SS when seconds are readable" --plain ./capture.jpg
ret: **12:36**
